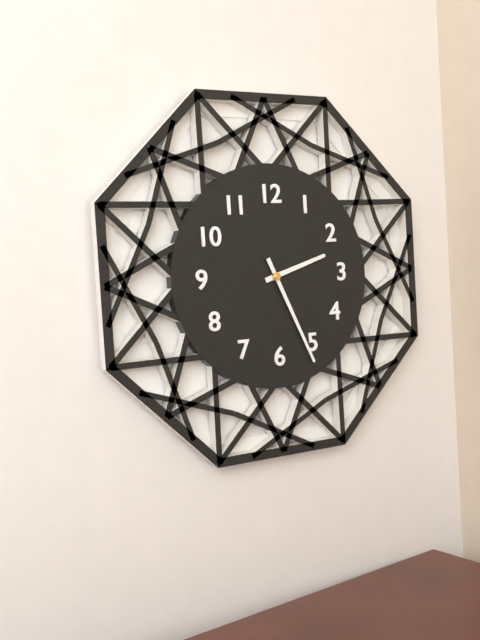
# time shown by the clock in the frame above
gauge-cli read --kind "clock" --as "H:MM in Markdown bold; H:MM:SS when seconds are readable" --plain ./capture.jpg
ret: **2:26**
